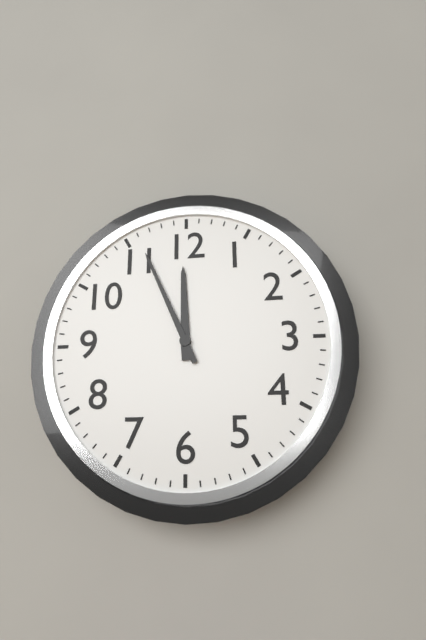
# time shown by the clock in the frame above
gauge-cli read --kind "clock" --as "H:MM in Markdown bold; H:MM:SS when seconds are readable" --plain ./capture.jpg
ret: **11:56**
